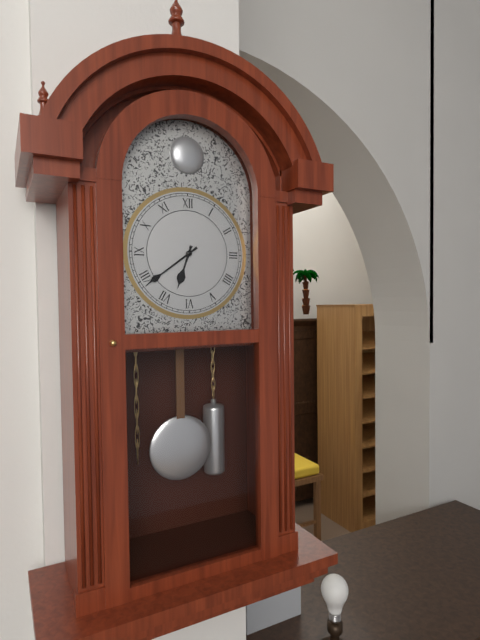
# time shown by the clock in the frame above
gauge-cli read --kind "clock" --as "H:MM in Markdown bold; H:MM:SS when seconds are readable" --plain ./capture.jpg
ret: **6:39**
